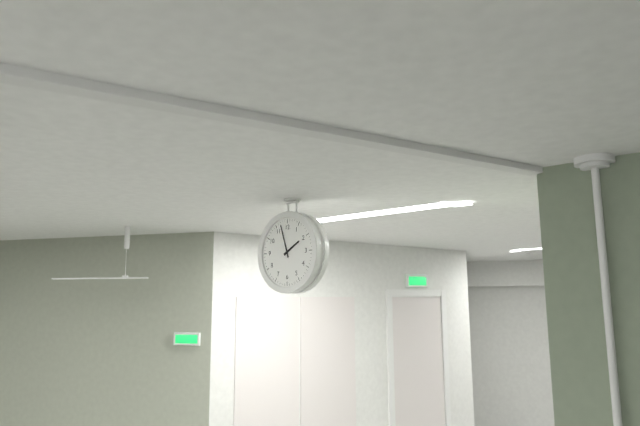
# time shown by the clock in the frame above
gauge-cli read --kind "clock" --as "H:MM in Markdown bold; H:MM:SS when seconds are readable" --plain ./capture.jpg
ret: **1:57**
